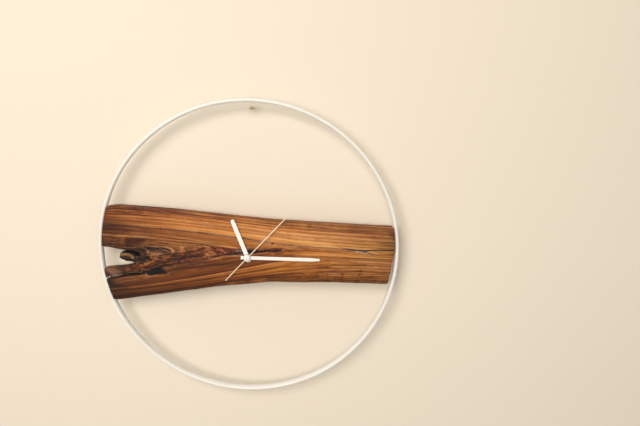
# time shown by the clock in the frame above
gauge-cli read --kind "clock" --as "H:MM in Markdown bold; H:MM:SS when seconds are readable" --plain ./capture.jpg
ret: **11:15:07**
